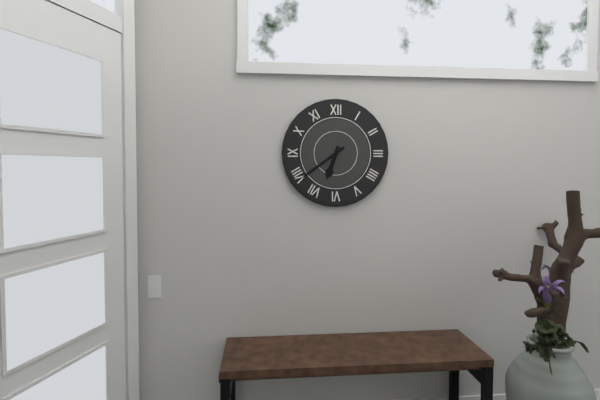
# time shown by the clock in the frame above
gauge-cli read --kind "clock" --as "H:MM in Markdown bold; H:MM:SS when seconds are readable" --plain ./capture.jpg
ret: **6:39**
